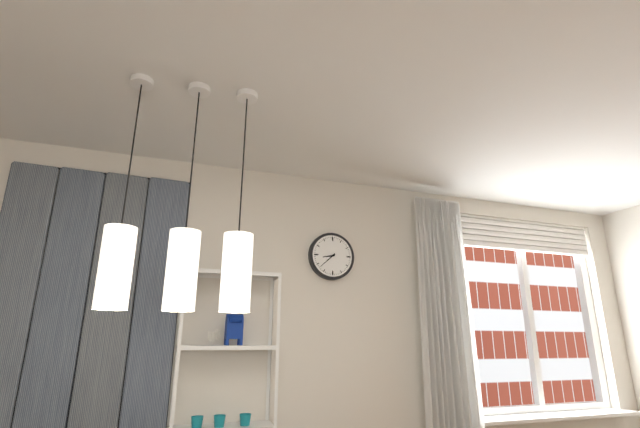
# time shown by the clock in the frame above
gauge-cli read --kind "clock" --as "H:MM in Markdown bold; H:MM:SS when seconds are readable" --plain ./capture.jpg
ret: **8:38**
